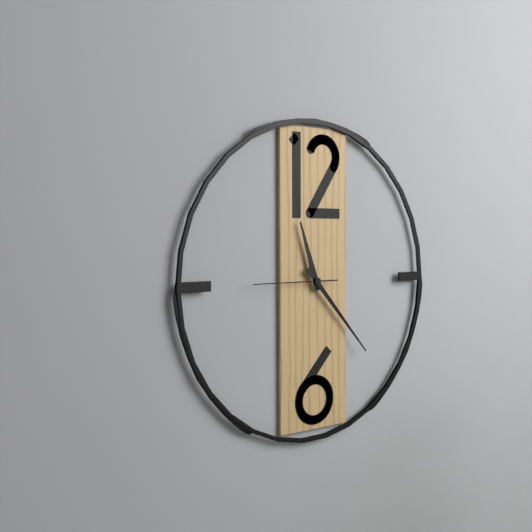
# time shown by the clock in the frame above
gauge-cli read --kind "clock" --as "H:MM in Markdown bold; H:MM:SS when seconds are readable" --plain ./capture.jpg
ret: **11:23:45**
